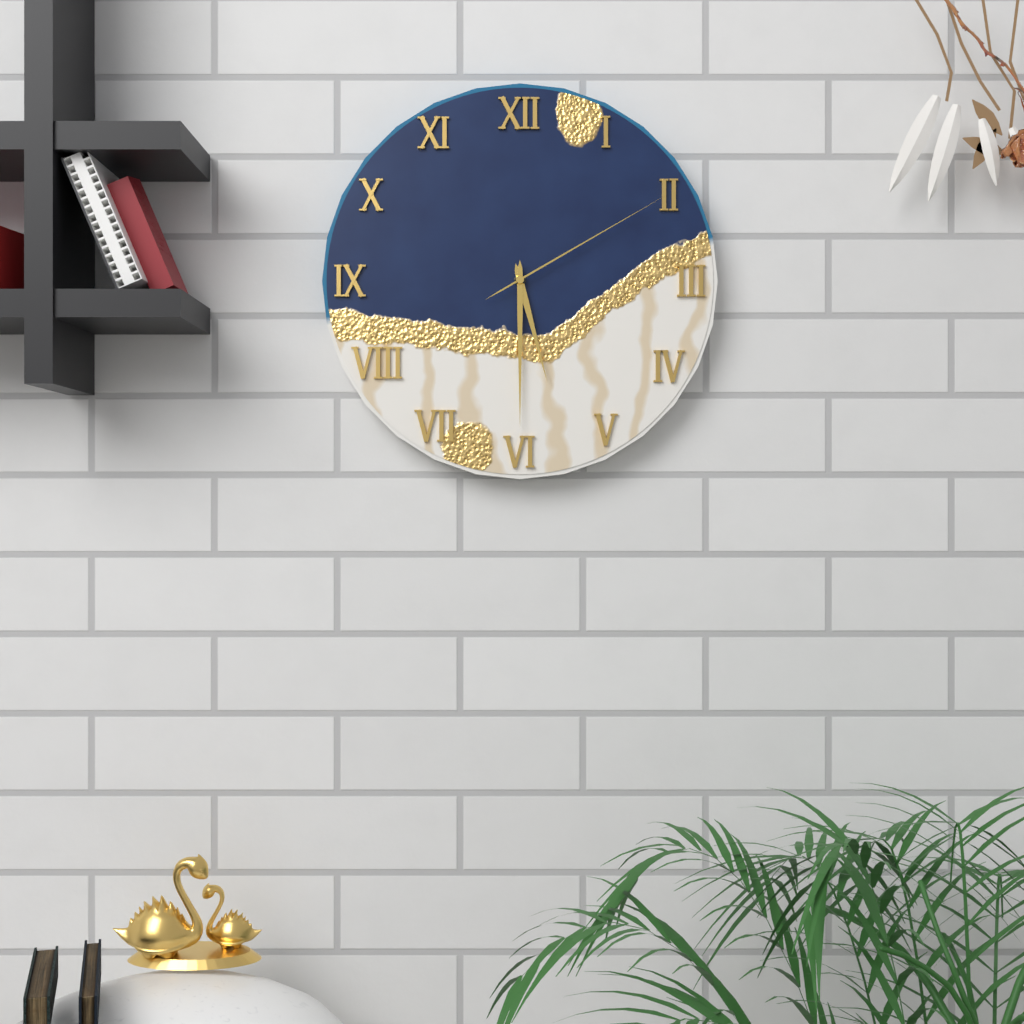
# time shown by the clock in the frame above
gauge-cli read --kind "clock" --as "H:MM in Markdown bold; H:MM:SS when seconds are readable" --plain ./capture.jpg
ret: **5:30:10**
